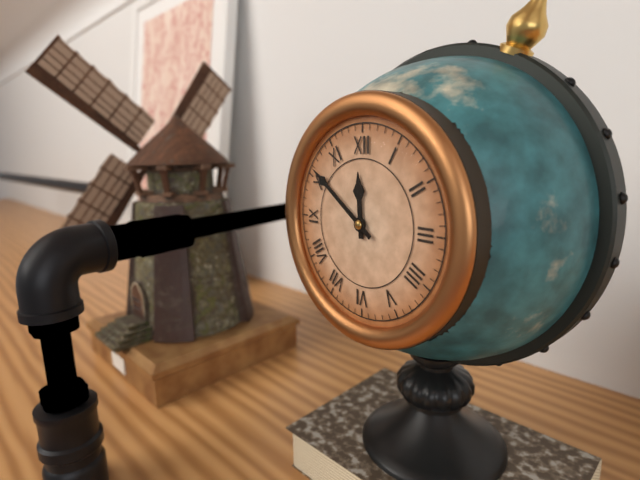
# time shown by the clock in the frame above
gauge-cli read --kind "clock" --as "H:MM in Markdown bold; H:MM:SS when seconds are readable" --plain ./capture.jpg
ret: **11:51**
